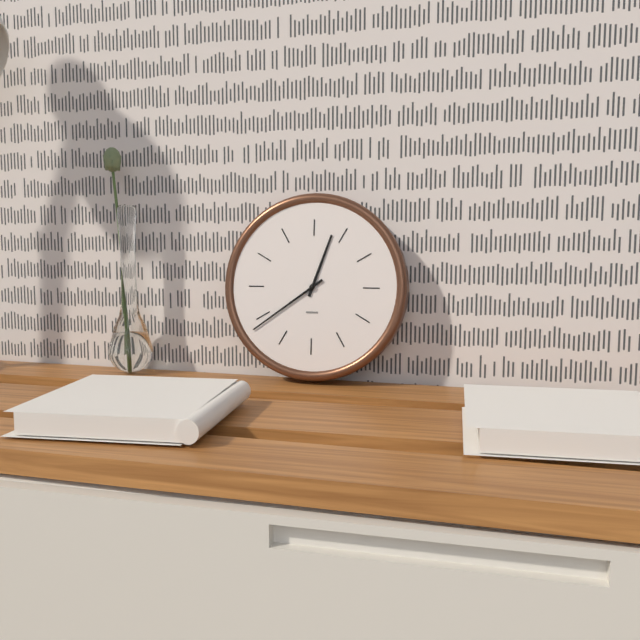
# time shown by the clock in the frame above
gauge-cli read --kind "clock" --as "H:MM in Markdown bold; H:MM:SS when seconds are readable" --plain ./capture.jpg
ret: **12:39**
